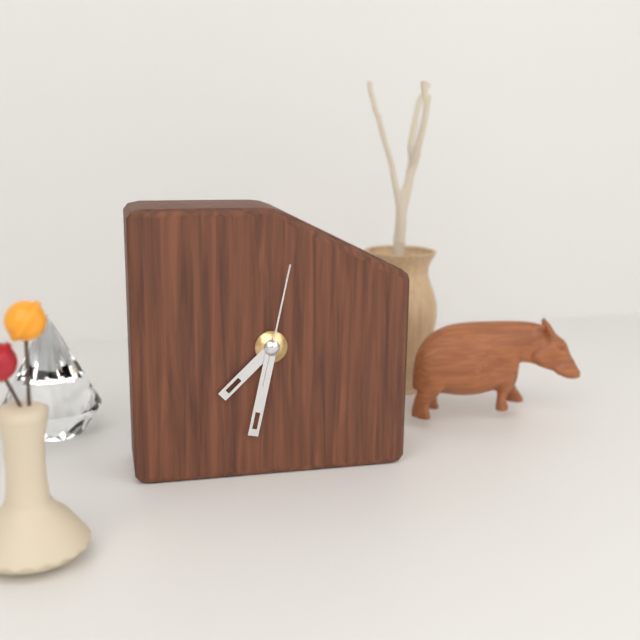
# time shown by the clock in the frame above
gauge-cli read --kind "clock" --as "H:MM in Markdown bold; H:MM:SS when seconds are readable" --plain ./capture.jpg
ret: **7:32:02**
